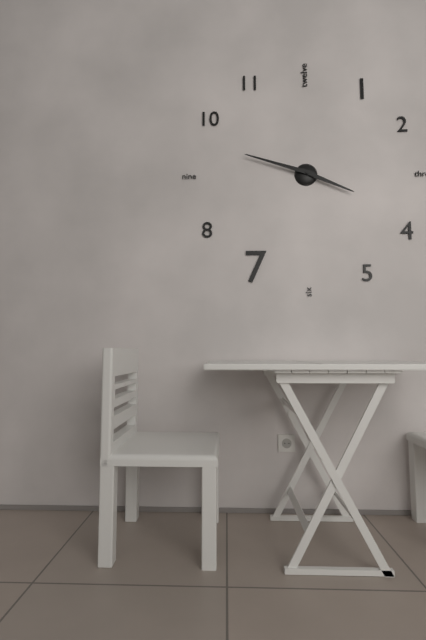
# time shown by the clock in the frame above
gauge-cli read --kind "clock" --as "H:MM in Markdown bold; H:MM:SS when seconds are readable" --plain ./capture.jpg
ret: **3:48**
